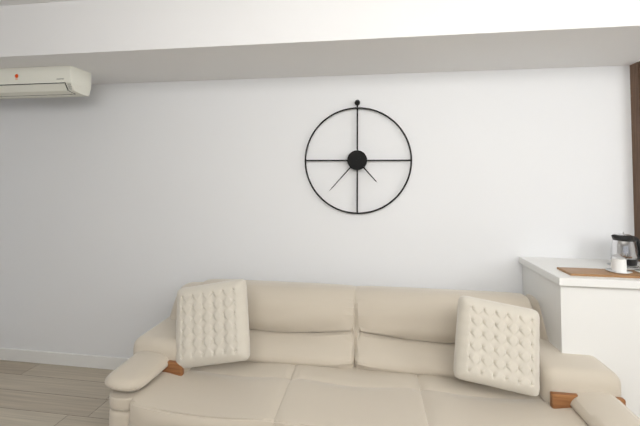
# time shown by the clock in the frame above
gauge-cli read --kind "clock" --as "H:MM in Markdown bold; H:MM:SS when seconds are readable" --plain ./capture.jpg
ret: **4:37**
